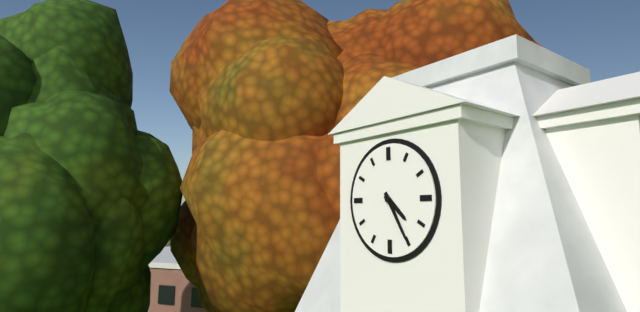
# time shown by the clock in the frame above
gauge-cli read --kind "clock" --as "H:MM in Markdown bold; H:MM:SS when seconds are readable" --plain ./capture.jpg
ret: **4:25**
